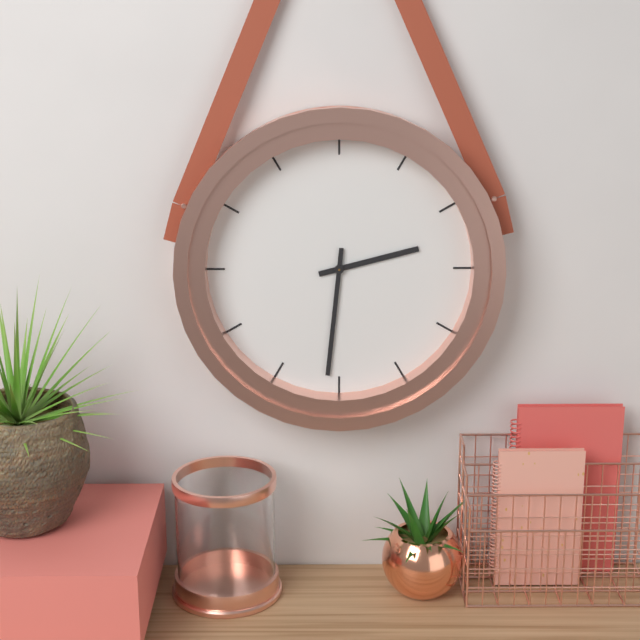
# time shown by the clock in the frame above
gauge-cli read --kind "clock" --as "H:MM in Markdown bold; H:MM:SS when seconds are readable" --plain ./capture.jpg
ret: **2:31**
